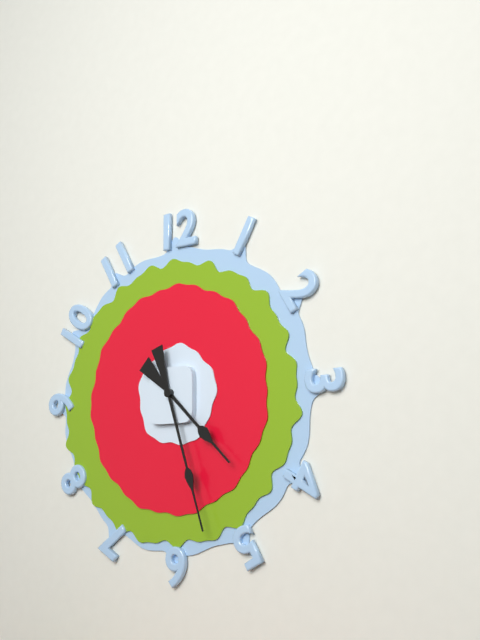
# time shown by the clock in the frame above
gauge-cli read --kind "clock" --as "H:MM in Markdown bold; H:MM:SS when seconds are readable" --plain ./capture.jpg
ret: **4:27**
